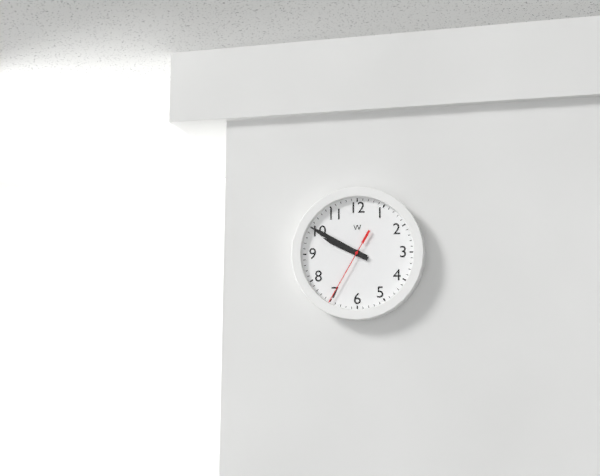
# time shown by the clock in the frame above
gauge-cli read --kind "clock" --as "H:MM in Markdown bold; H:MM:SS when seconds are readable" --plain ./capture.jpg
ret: **9:50:35**
